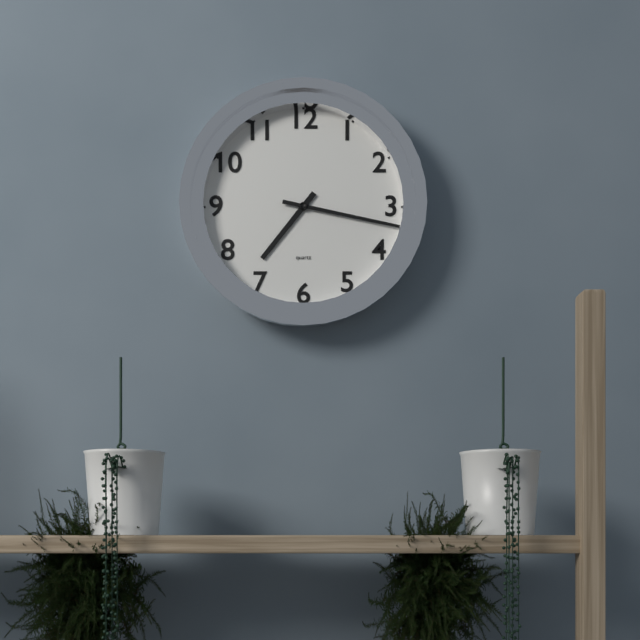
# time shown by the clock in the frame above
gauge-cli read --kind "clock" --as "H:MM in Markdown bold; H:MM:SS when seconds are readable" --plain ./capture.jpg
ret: **7:17**
